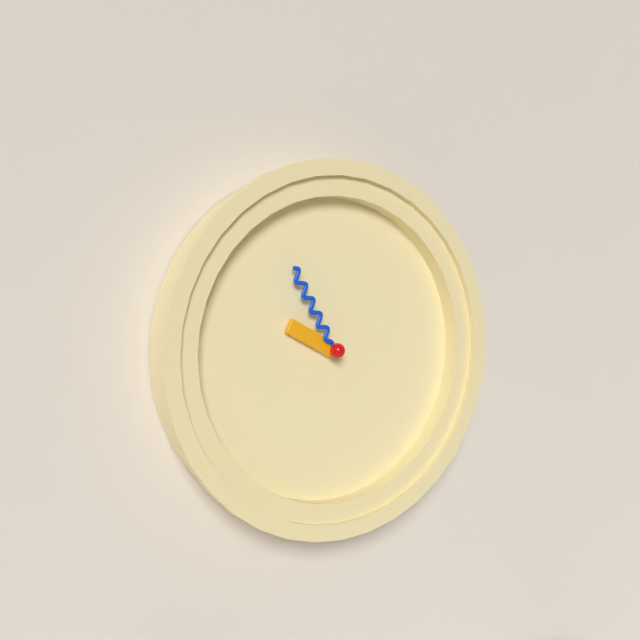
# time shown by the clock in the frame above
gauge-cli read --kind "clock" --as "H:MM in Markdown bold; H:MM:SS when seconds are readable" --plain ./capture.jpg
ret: **9:55**
